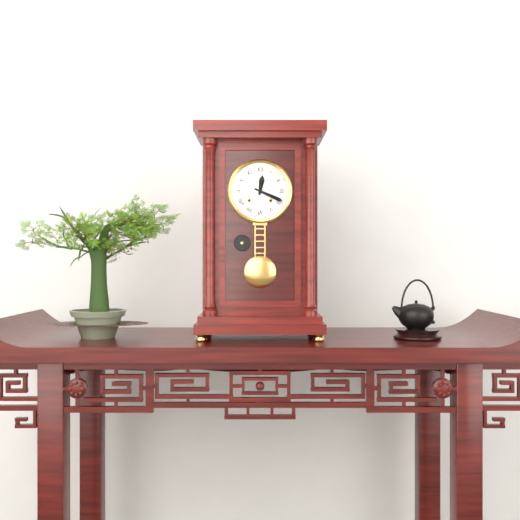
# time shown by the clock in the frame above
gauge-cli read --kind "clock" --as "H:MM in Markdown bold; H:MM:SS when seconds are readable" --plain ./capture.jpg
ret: **12:19**
